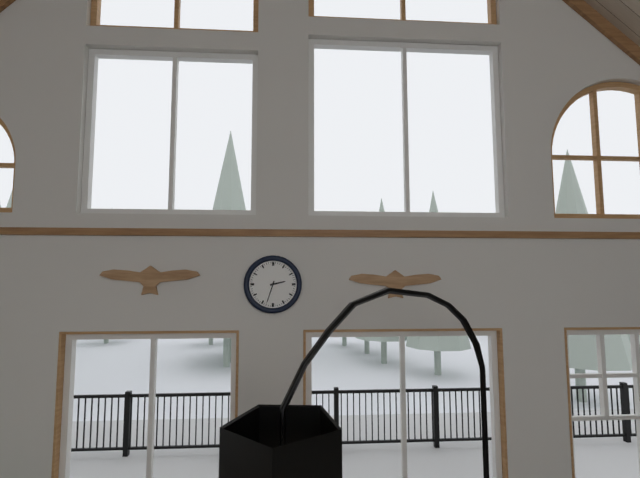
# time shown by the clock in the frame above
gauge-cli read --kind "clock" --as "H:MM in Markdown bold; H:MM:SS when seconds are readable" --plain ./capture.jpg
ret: **2:33**
